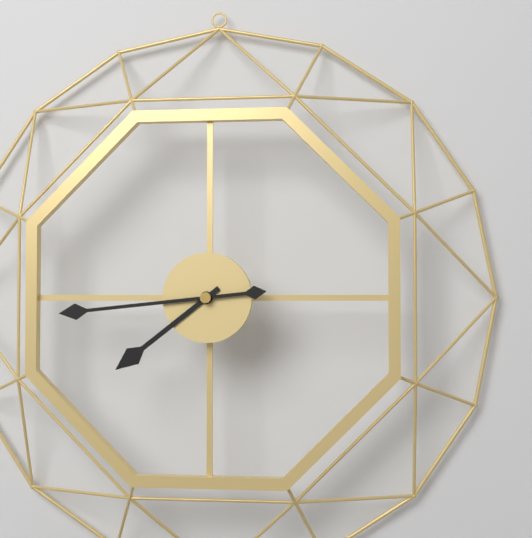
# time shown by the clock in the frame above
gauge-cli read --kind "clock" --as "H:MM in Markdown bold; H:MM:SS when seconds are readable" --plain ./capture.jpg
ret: **7:44**
